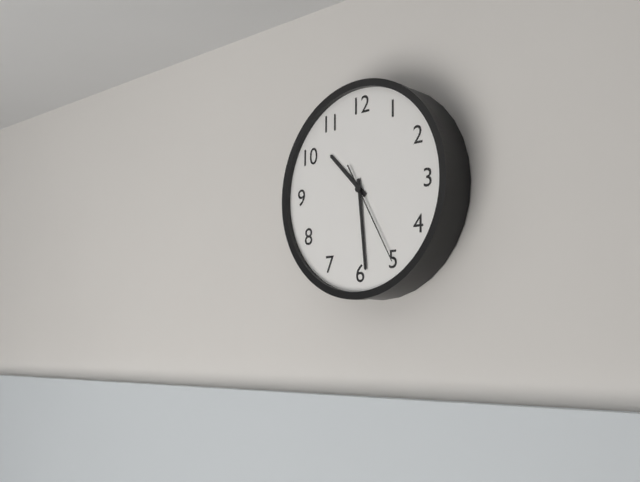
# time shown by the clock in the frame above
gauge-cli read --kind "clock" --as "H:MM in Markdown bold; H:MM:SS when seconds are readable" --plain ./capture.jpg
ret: **10:29:25**
